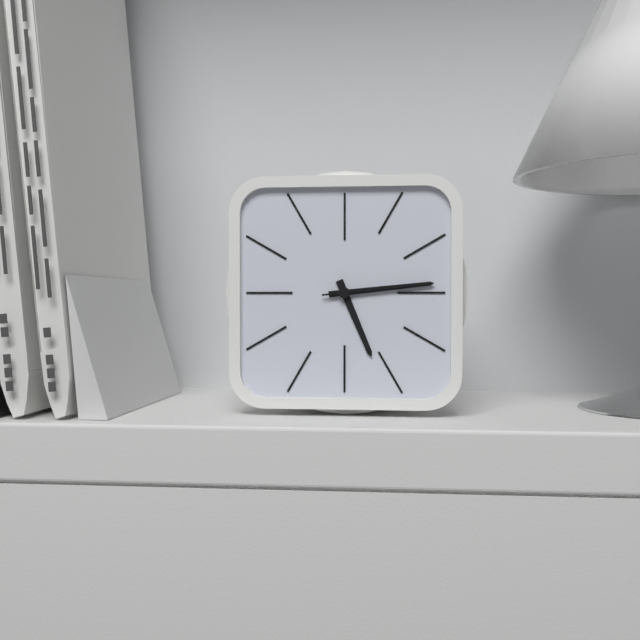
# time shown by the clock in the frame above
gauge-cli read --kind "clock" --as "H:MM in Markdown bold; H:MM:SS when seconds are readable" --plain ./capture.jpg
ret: **5:14:14**
